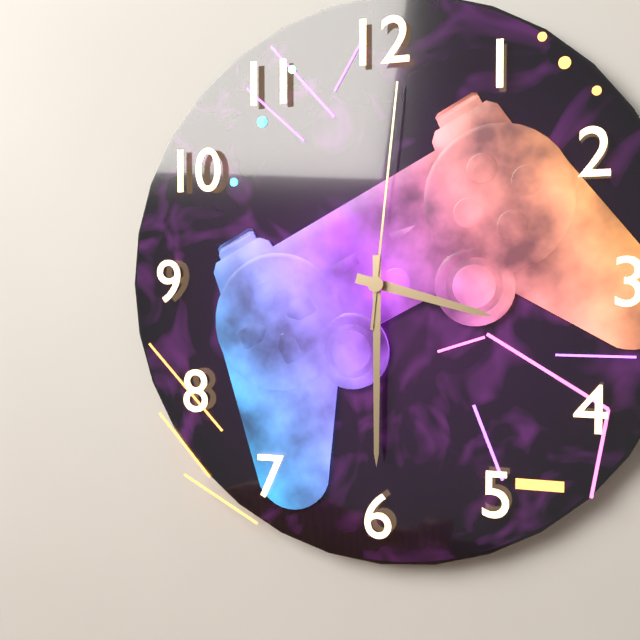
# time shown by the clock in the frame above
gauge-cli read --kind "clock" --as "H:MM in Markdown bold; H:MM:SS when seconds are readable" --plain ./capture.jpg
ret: **3:30:01**
